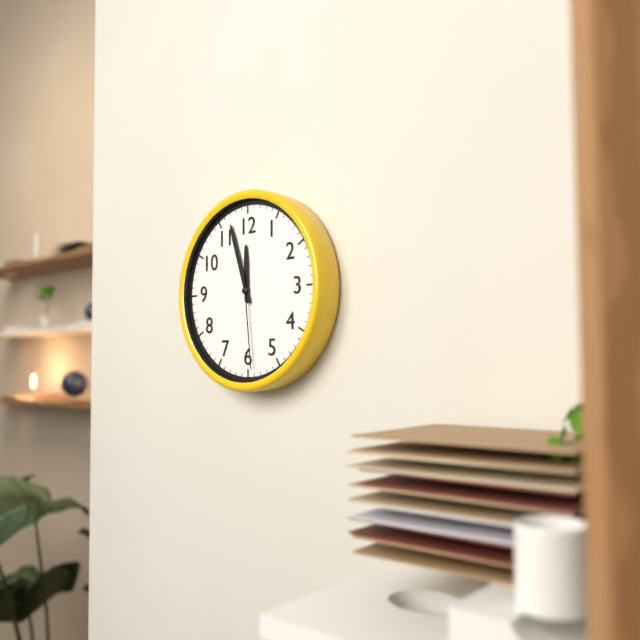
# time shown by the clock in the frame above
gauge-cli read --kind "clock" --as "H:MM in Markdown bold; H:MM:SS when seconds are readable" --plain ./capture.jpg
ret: **11:57:29**
